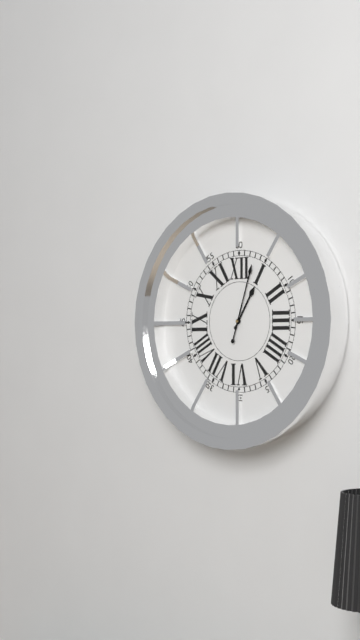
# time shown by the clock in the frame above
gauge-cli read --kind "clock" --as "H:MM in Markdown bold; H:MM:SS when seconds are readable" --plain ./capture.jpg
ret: **1:03**
